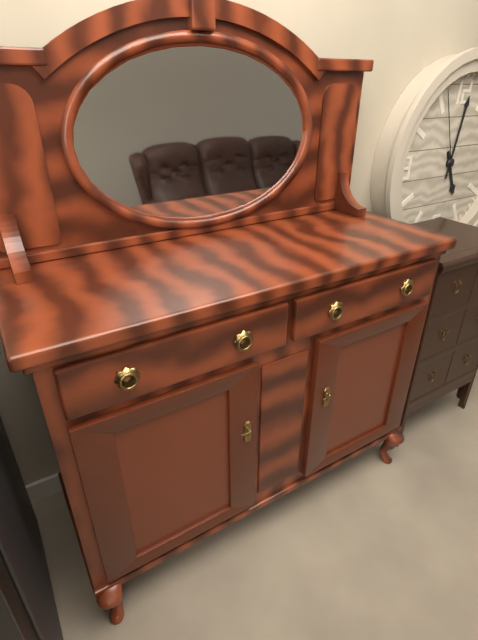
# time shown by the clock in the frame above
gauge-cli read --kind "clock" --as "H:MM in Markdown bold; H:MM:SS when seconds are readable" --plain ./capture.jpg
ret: **5:01:56**
